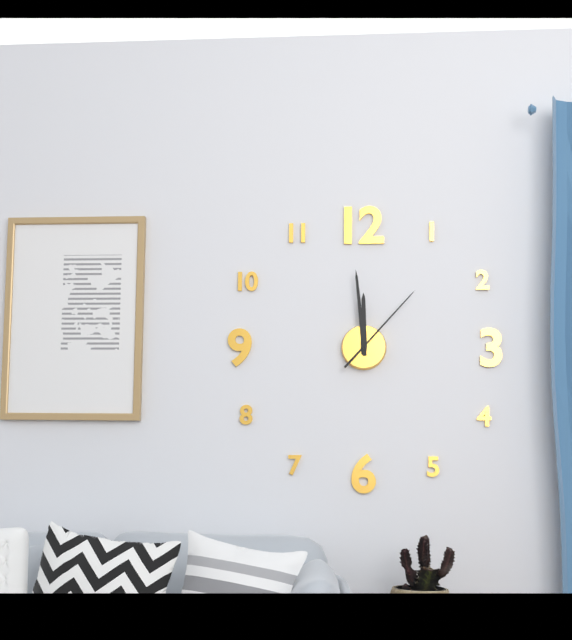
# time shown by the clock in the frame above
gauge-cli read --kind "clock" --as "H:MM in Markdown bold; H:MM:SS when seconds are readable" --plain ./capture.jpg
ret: **11:59:07**
